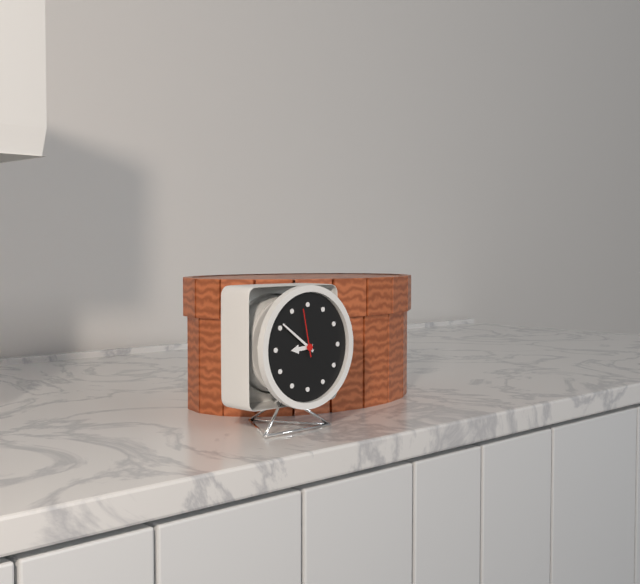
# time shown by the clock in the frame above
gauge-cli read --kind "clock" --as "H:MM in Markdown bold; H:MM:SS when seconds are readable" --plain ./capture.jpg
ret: **8:51**
